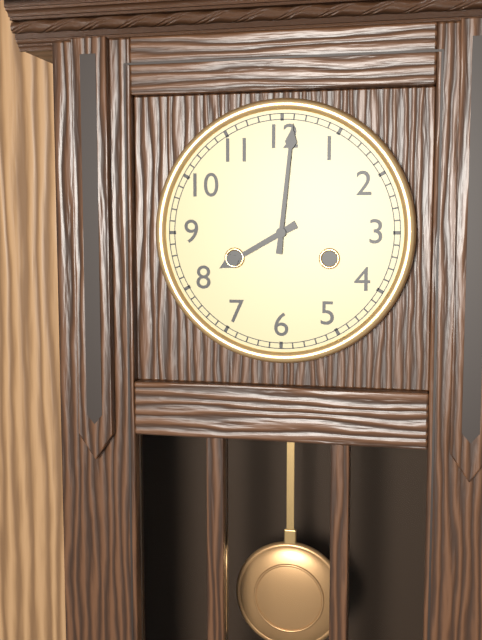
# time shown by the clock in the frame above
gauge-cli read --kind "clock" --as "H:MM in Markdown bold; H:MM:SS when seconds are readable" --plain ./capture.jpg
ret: **8:01**
